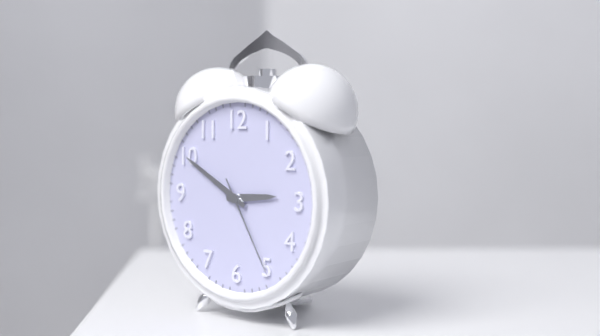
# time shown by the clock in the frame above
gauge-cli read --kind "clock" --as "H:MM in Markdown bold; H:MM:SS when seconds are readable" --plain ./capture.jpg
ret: **2:50:25**
